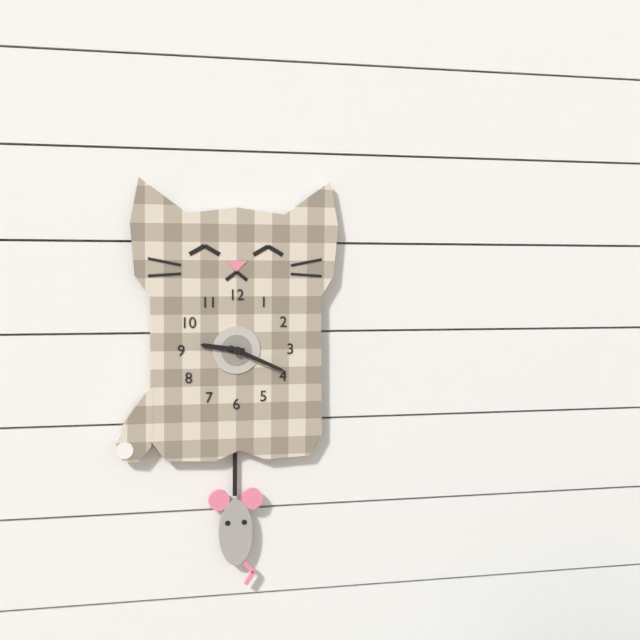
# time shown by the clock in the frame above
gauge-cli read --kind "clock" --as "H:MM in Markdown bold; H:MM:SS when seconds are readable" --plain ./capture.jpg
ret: **9:19**
